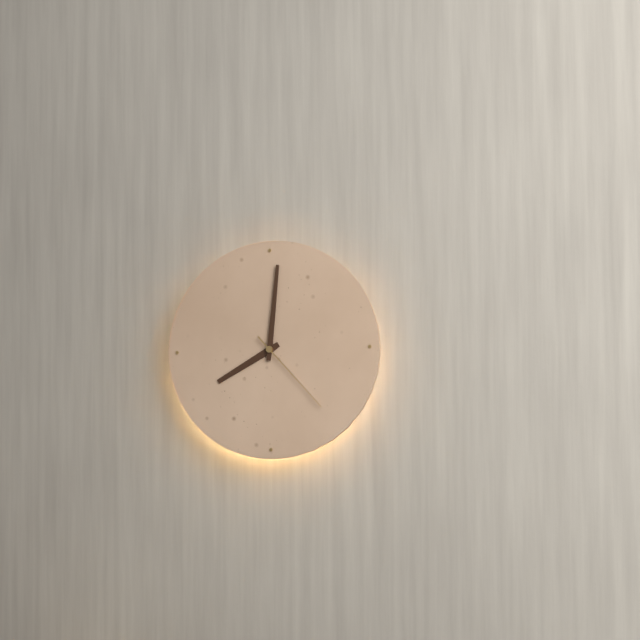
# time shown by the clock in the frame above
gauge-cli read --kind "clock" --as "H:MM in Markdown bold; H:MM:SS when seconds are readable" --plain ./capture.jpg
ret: **8:01:23**
